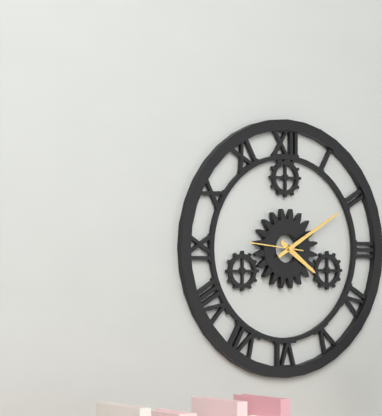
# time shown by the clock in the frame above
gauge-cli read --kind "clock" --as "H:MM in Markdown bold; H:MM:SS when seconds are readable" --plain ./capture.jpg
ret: **4:10**
